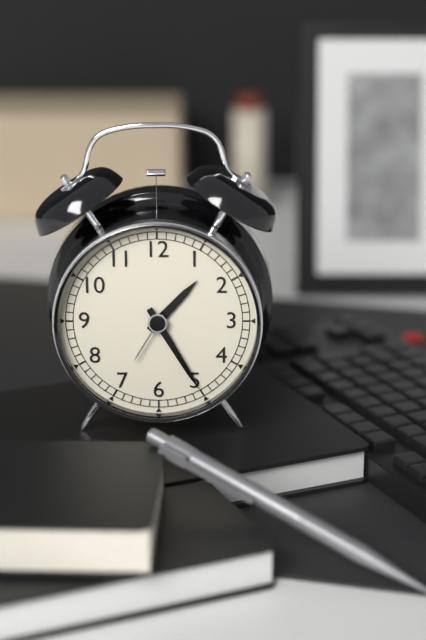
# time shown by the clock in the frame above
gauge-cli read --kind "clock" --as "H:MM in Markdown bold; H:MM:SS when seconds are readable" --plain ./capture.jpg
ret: **1:25**
